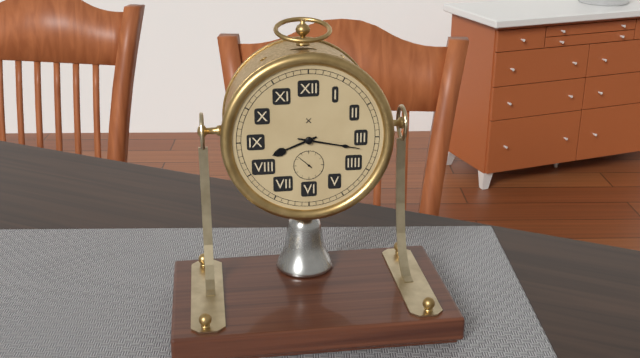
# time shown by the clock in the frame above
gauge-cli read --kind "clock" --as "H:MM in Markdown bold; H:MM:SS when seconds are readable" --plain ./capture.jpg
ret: **8:17**
